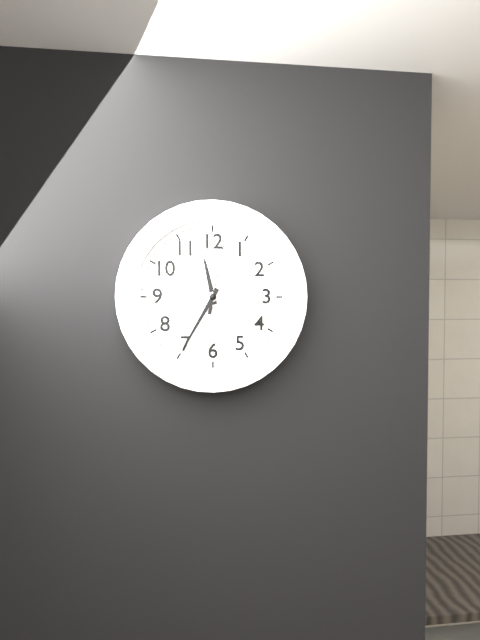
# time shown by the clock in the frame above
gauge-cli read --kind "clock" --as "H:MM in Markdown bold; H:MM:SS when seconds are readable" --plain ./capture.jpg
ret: **11:35:02**
